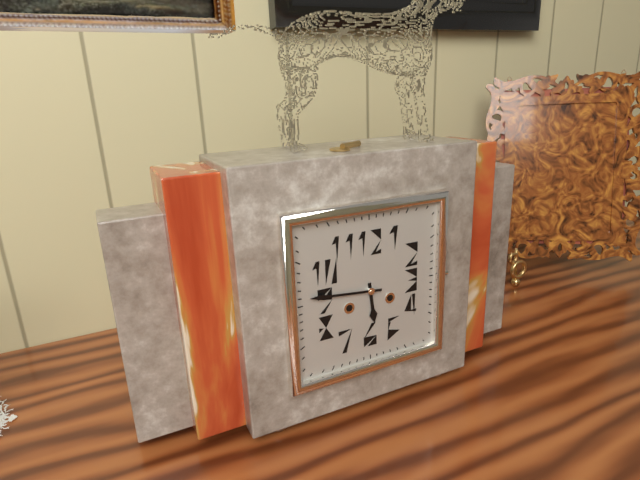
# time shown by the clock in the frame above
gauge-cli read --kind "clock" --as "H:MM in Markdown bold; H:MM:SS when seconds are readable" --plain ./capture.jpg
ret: **5:46**
